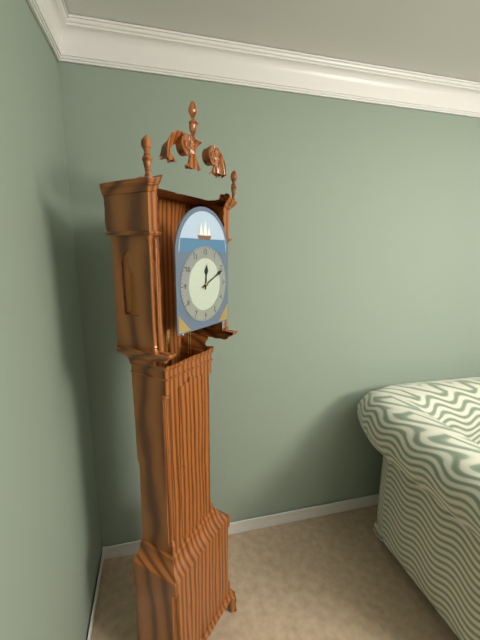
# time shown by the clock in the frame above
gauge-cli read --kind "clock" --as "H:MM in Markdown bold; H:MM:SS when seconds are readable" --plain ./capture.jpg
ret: **12:11**
